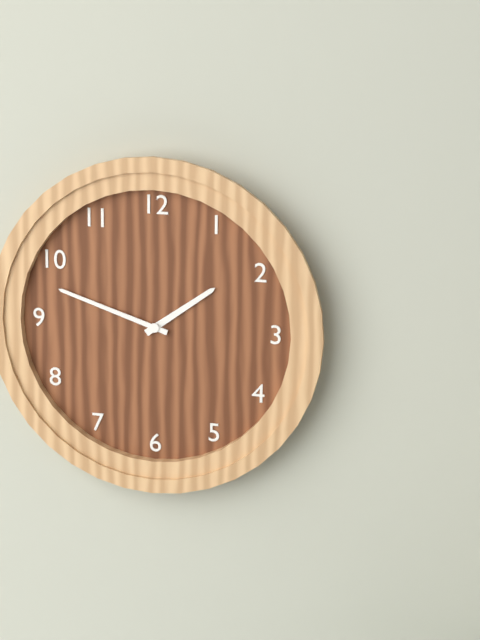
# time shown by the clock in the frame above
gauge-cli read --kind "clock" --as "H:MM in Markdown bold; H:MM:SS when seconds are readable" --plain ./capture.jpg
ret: **1:48**
